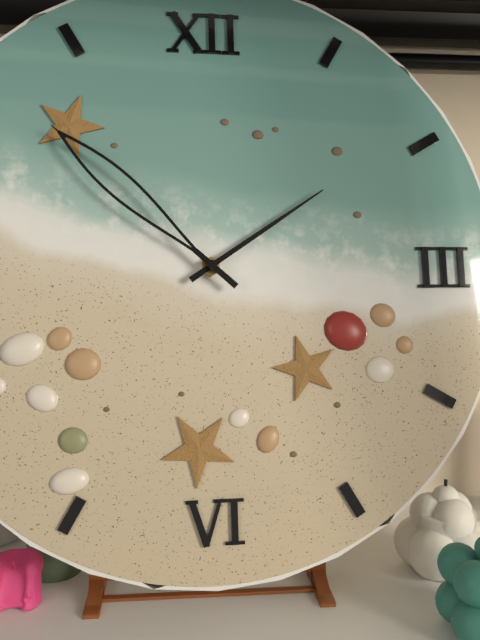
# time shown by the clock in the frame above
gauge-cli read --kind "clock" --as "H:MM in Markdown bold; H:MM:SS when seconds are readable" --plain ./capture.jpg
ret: **1:52**
